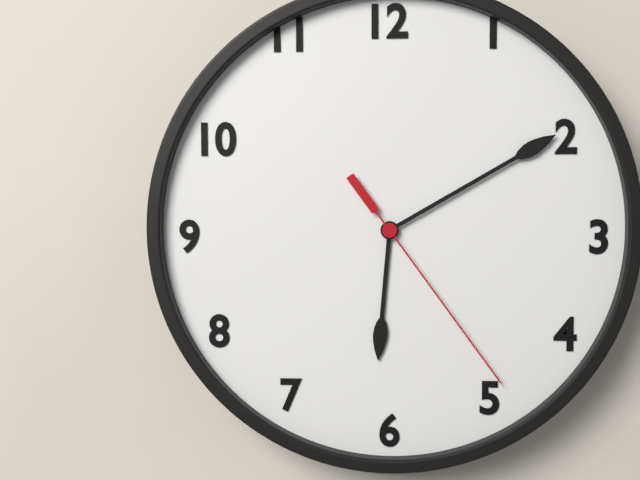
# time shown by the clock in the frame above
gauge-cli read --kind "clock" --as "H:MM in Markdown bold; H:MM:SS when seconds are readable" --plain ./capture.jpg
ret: **6:10:24**
